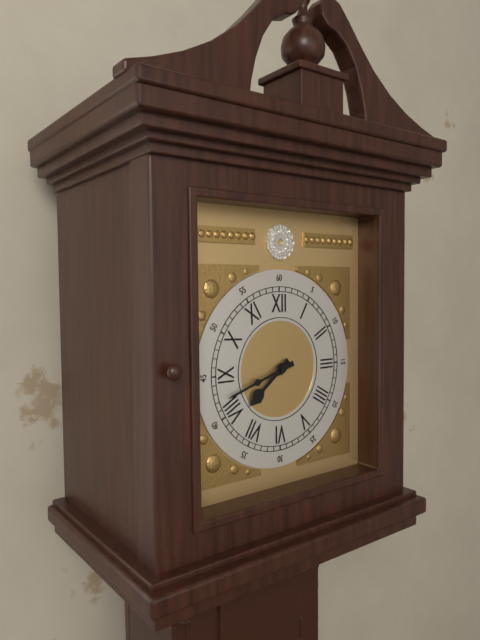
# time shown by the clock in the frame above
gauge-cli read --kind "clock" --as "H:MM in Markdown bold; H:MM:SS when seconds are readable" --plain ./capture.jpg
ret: **7:42**
